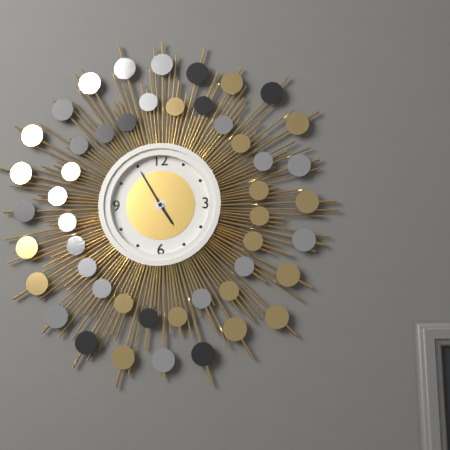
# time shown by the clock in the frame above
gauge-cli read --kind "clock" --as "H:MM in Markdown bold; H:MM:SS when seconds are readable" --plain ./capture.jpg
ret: **4:55**
